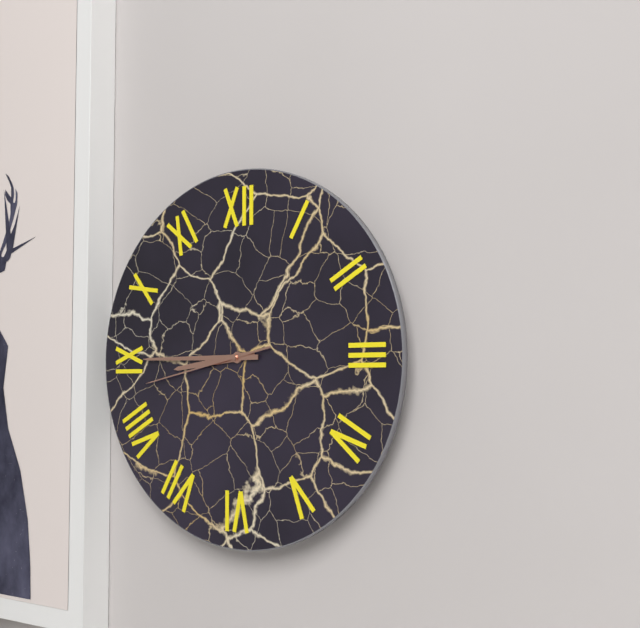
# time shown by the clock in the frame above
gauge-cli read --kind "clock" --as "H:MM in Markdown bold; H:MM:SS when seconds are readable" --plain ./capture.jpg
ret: **8:45:43**
